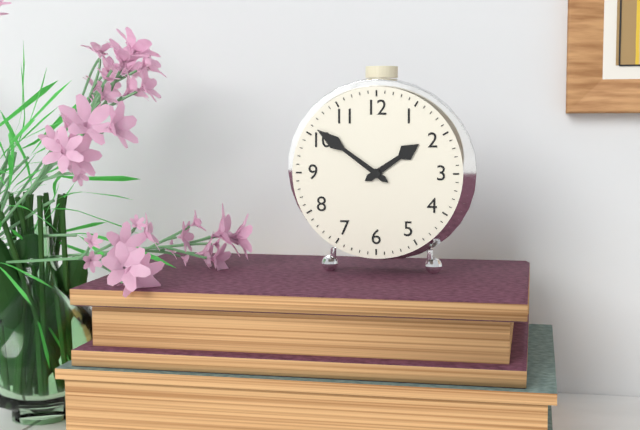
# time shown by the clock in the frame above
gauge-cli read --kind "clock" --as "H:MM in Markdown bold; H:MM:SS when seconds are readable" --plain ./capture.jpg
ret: **1:51**
